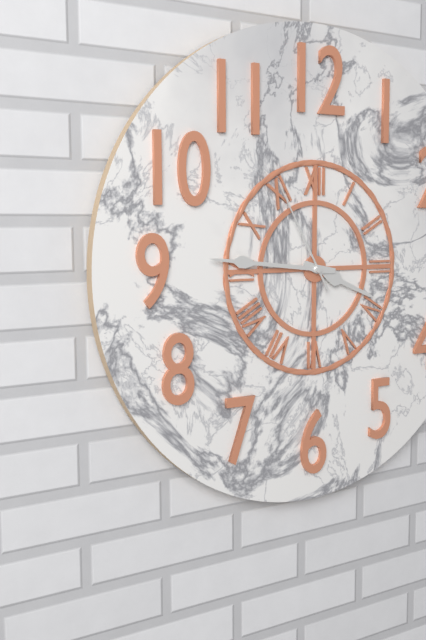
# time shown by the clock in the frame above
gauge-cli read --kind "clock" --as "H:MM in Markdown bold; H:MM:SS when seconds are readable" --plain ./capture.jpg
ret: **3:46:55**
